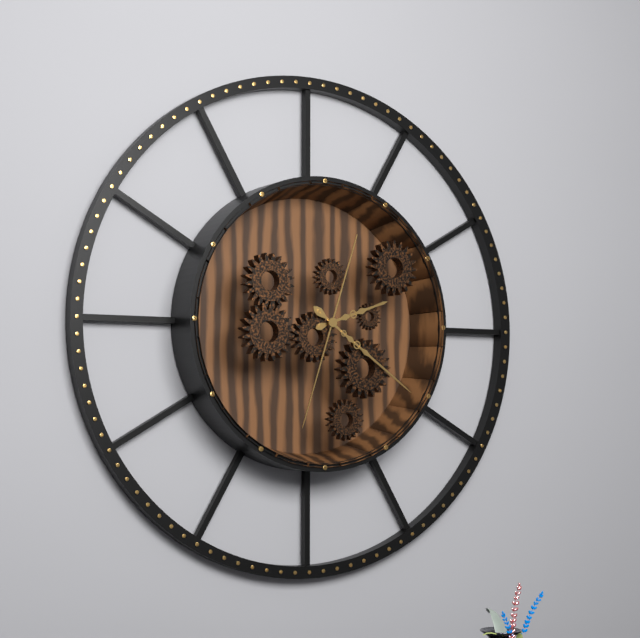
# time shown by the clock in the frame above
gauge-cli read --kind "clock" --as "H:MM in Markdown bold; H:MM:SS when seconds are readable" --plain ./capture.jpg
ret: **2:21:33**
